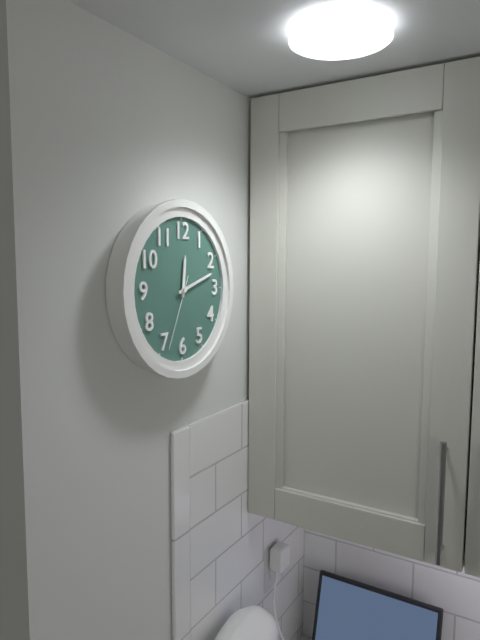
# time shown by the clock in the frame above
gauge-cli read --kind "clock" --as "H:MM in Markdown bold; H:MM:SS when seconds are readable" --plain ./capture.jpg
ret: **12:12:34**
